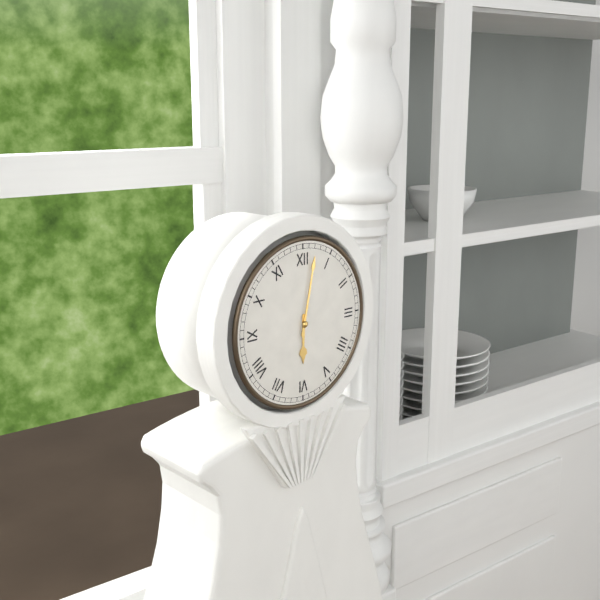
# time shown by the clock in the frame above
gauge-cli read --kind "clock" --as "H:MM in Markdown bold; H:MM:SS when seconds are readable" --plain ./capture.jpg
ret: **6:02**
